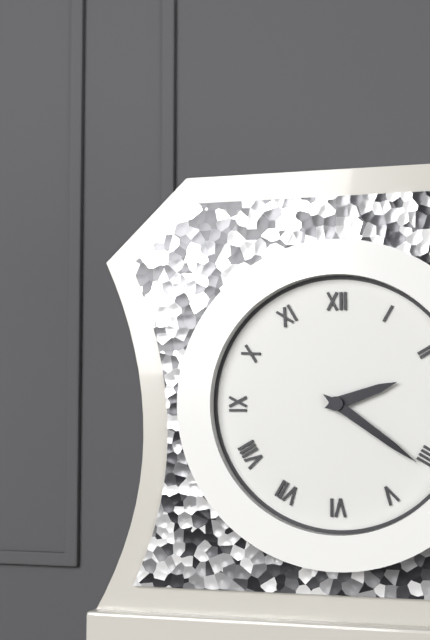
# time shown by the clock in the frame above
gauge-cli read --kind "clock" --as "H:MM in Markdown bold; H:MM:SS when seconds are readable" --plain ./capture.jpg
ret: **2:21**
